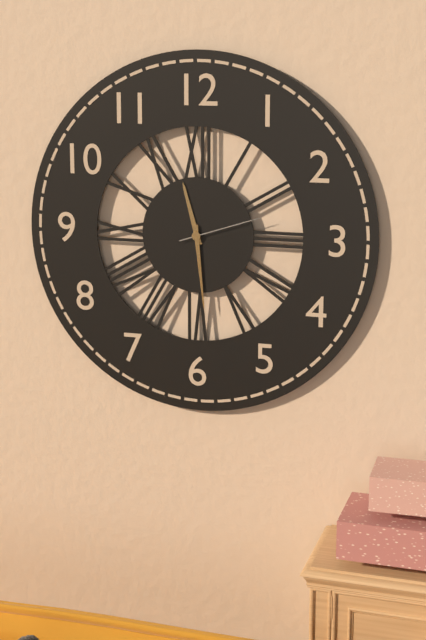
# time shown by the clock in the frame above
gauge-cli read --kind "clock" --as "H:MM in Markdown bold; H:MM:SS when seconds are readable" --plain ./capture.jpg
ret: **11:29:12**
